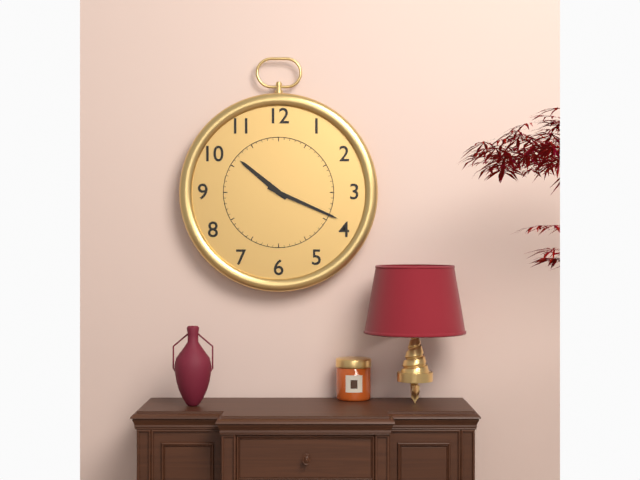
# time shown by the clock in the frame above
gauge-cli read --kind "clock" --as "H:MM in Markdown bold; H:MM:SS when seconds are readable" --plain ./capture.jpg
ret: **10:19**
